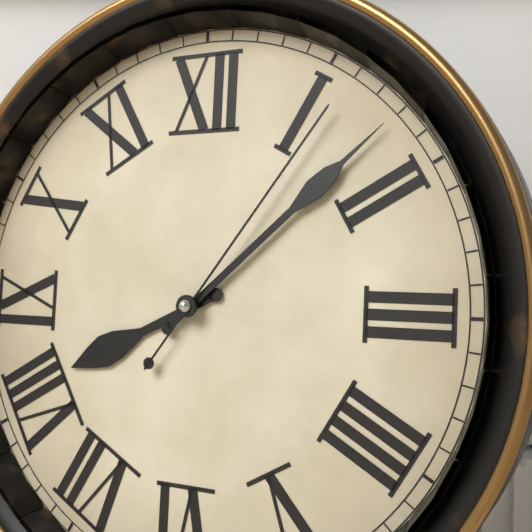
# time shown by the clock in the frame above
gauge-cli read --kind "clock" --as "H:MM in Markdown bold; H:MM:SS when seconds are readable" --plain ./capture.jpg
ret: **8:08:06**
